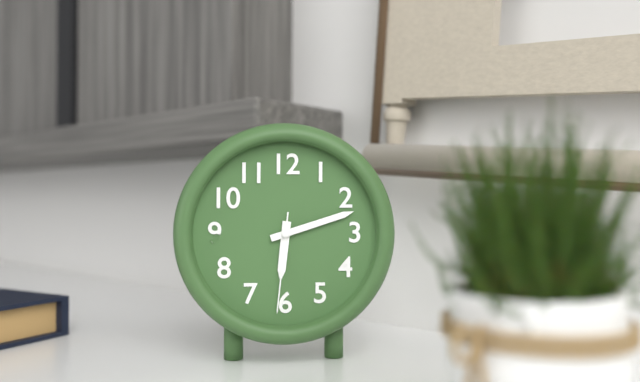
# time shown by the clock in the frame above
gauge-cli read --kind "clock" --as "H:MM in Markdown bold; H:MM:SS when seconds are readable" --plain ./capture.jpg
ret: **6:12:31**
